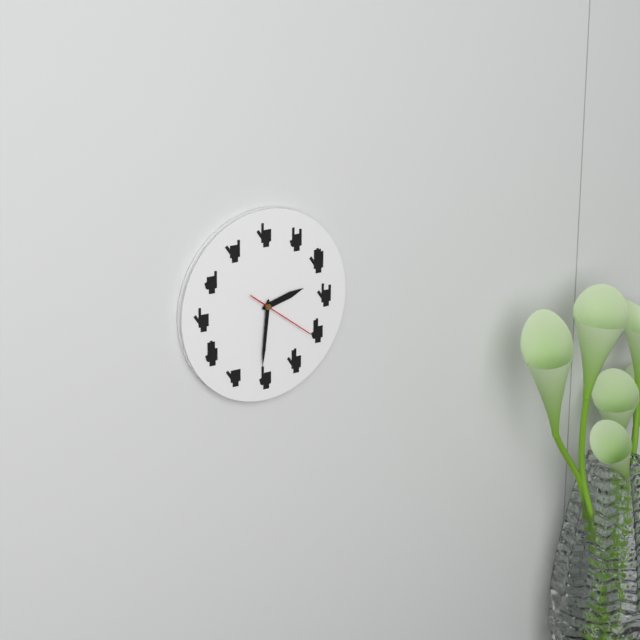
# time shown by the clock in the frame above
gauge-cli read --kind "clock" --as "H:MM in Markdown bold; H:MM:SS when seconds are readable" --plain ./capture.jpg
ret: **2:31:21**
